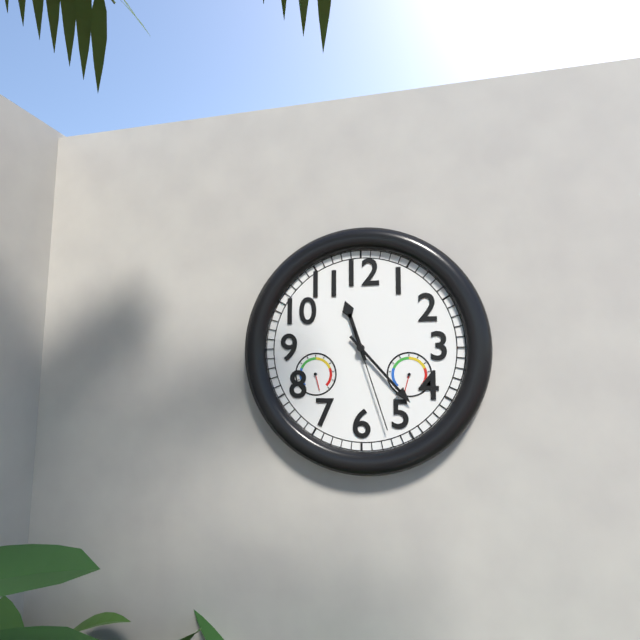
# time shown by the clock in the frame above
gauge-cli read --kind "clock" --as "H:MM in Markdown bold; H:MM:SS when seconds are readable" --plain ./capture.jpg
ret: **11:23:27**
